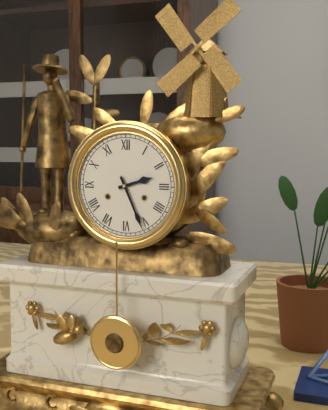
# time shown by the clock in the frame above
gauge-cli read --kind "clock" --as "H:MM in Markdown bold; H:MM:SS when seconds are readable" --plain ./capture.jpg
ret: **2:26**
